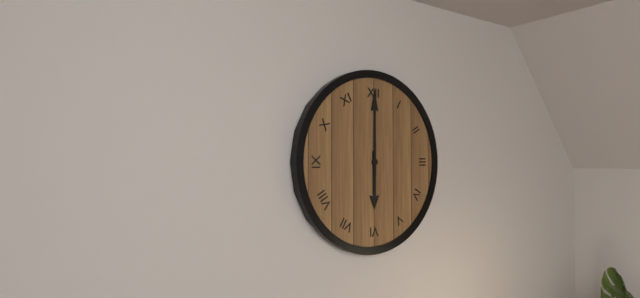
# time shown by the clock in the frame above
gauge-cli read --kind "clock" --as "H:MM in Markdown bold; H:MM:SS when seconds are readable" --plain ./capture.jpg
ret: **6:00**
